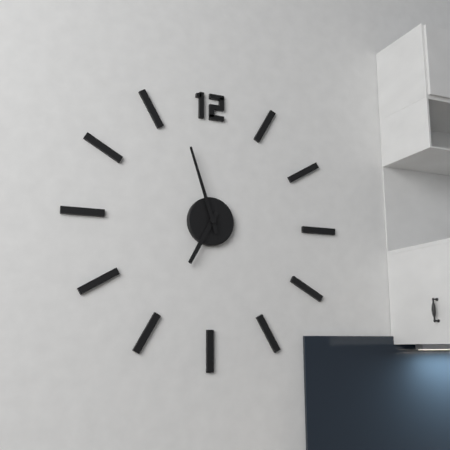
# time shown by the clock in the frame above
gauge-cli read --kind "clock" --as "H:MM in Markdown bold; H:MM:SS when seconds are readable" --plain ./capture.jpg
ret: **6:57**
